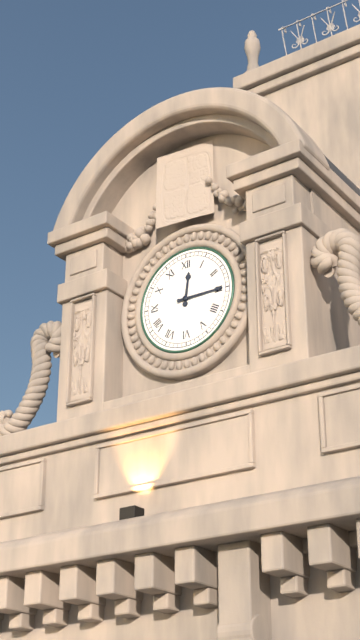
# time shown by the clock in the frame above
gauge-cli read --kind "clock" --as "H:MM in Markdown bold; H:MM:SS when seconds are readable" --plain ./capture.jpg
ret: **12:15**
